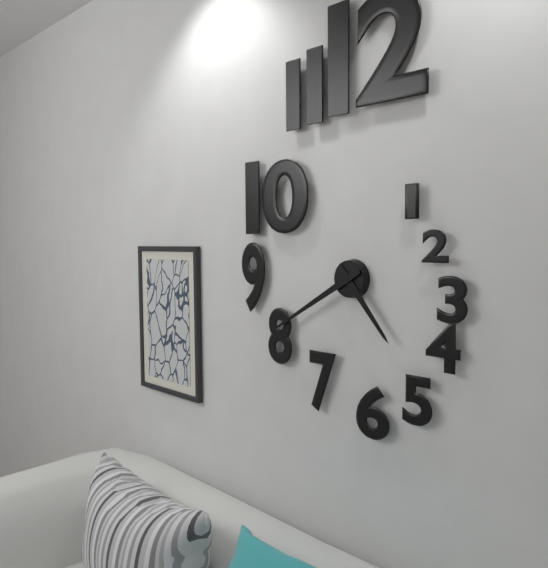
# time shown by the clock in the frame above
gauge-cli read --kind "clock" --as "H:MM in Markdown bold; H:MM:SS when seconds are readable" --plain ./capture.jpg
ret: **4:40**
